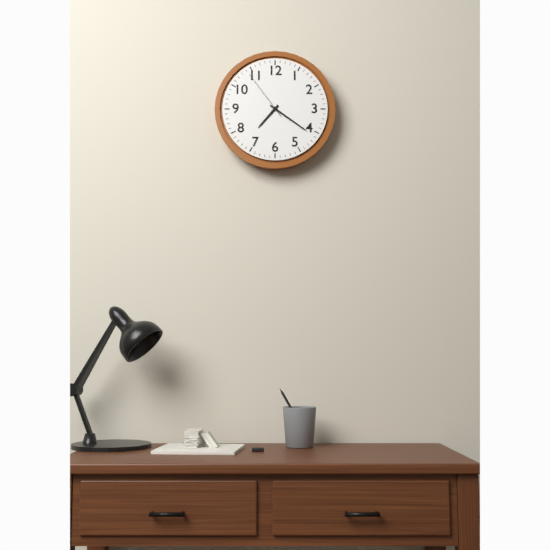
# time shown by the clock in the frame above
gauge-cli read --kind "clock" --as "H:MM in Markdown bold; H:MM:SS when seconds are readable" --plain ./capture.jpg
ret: **7:21:54**
